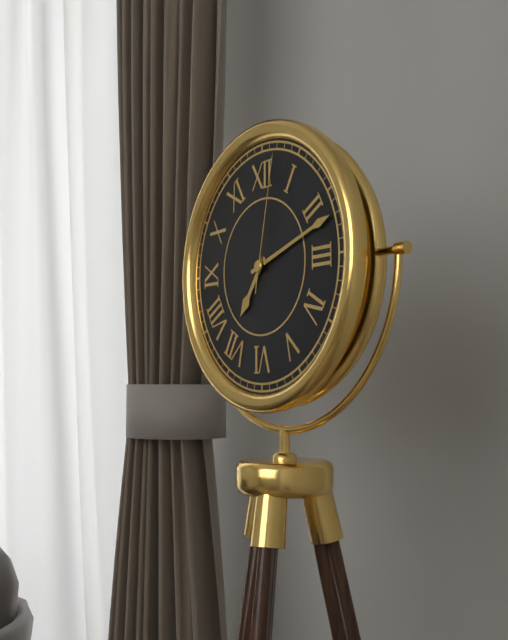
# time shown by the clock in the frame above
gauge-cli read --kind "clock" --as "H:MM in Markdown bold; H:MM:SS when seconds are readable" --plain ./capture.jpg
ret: **7:12:02**
